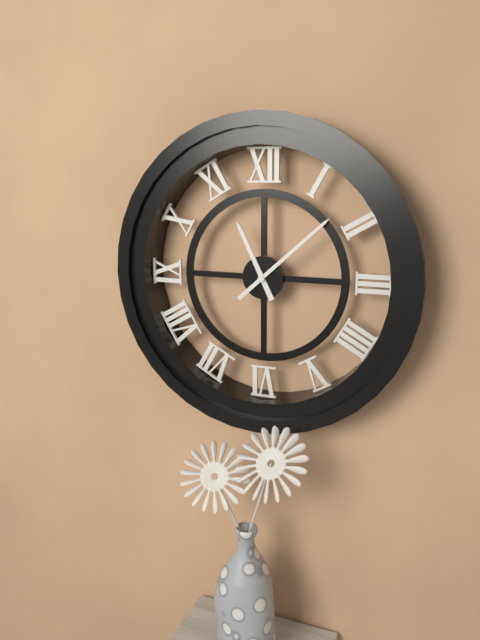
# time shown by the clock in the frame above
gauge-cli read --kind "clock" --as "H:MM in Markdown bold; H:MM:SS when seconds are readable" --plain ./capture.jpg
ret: **11:08**
